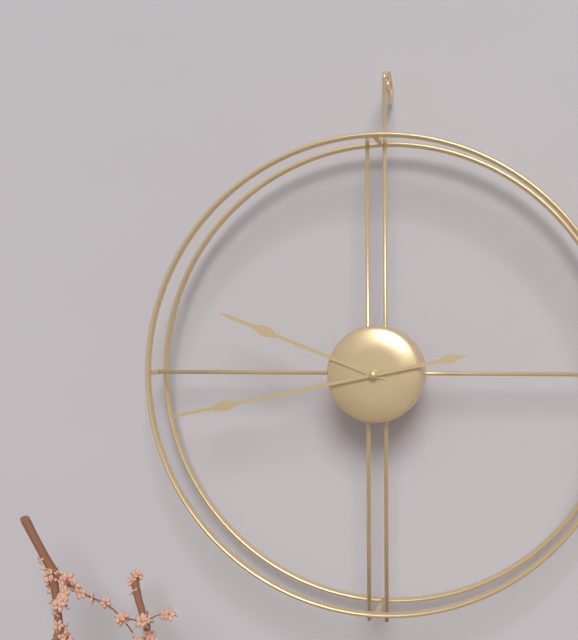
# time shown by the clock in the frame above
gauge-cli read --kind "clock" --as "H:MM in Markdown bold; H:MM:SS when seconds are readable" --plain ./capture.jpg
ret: **9:43**
